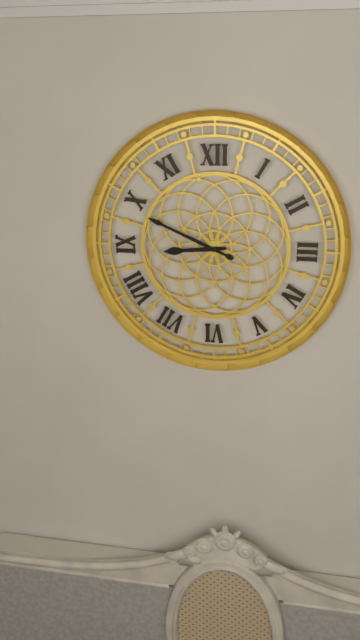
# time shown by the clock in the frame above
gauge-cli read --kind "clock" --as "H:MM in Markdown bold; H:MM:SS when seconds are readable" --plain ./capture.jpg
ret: **8:49**
